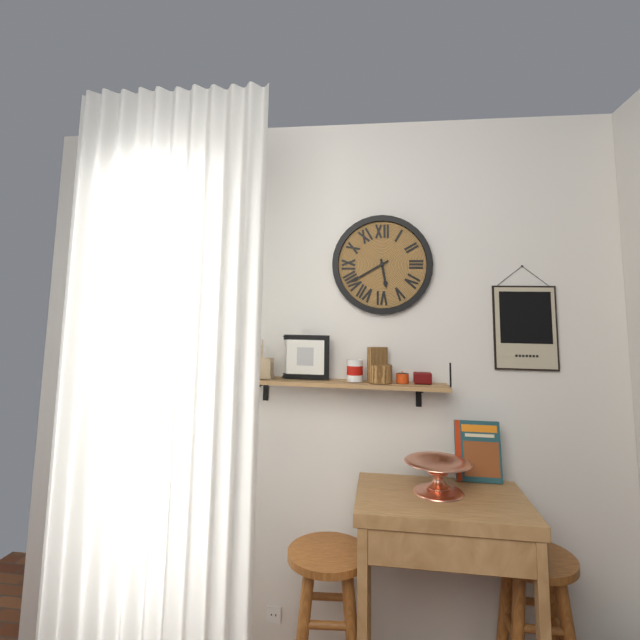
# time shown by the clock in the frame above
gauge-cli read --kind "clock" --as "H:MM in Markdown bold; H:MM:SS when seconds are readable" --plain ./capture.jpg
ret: **5:40**
